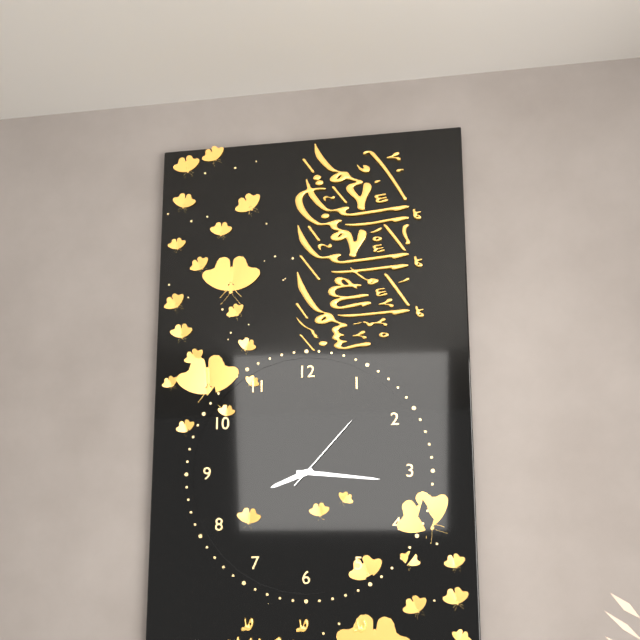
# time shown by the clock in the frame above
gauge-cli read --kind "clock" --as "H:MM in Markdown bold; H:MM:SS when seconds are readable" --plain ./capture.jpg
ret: **8:16:07**
